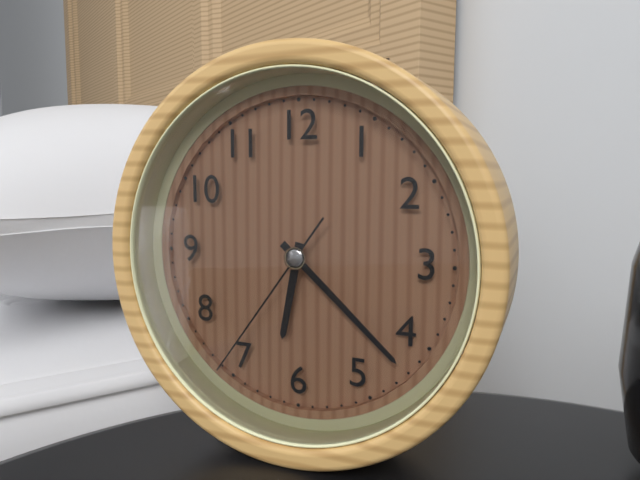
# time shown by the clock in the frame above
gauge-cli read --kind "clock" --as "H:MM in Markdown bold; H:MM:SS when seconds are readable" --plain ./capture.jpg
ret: **6:22:36**
